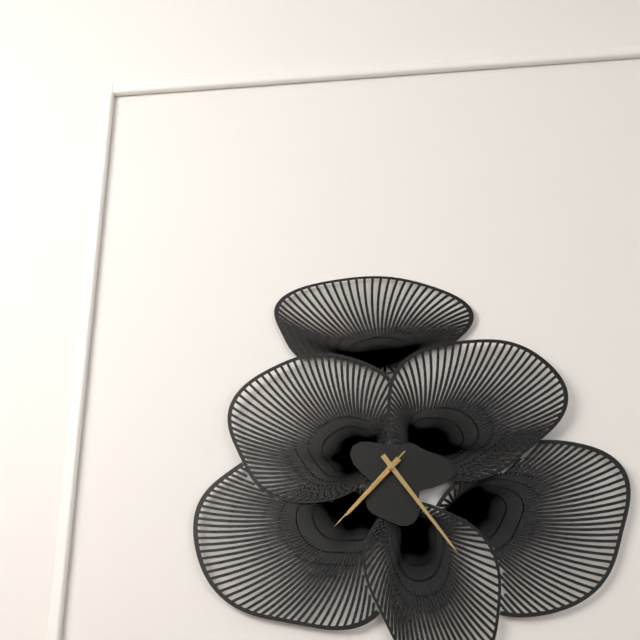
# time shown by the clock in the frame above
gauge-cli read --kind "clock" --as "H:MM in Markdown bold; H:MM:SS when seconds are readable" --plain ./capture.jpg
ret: **7:24:37**
